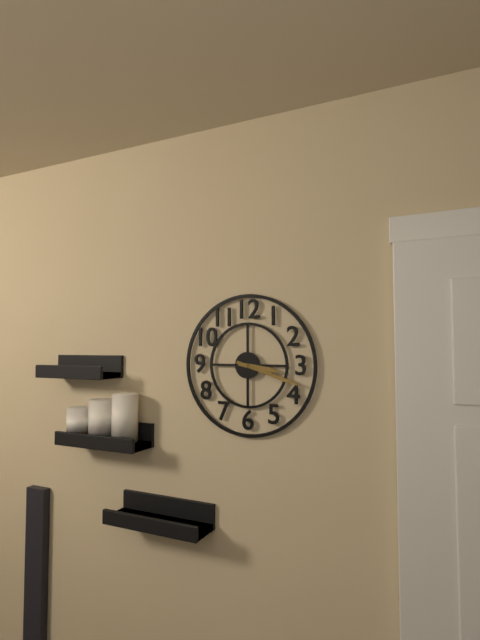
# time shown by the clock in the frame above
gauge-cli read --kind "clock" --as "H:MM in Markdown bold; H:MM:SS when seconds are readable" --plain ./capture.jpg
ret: **3:18**
